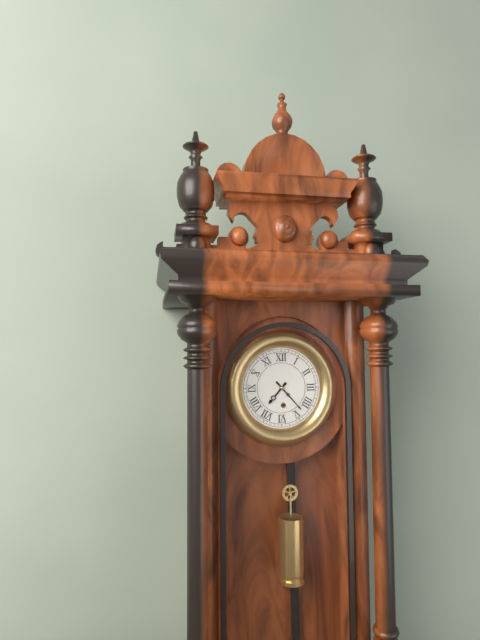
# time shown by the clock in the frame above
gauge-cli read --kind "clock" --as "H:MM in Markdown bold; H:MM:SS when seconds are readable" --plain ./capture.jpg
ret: **7:23**
